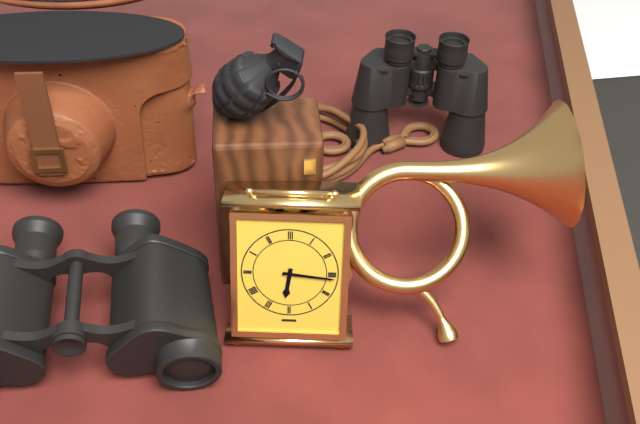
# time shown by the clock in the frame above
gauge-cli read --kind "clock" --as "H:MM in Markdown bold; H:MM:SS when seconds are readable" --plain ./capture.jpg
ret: **6:16**
